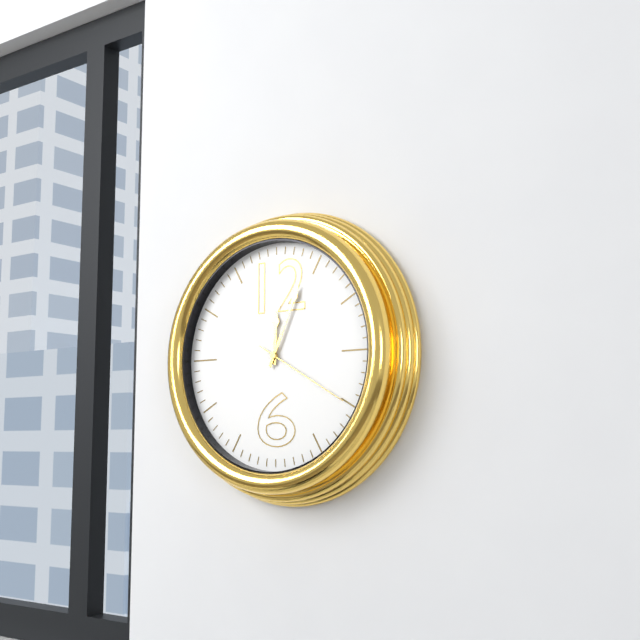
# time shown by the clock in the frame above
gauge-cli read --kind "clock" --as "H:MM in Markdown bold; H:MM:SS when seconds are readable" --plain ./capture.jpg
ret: **12:04:20**
